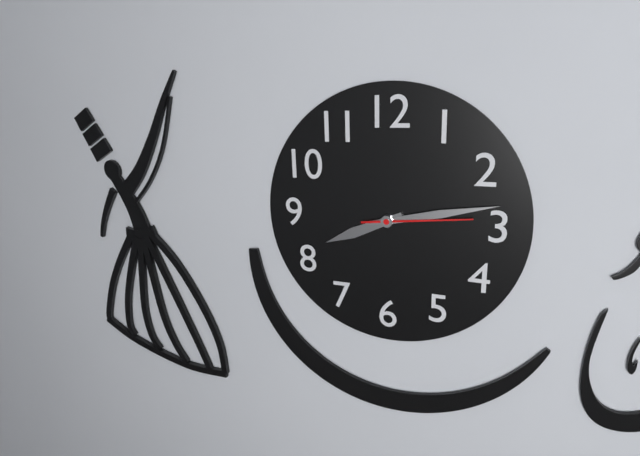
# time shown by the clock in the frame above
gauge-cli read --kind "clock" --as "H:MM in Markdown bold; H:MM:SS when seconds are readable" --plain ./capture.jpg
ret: **8:13:14**
